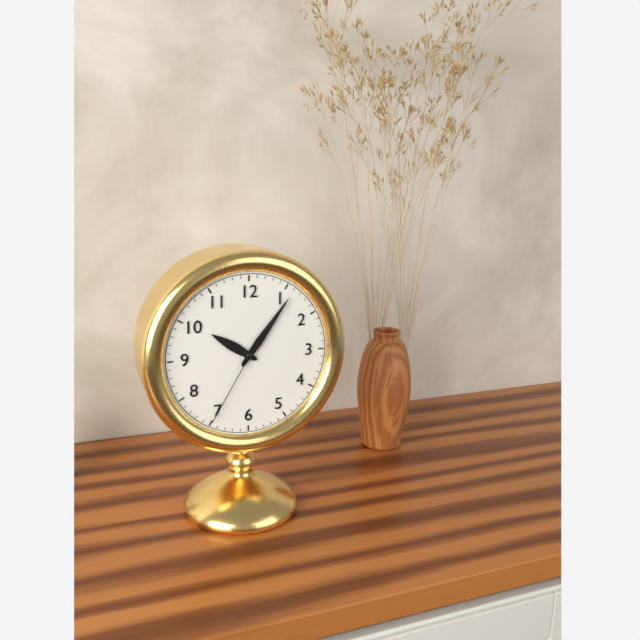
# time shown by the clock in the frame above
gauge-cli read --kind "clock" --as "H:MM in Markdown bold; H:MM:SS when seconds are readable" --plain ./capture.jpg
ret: **10:06:35**
